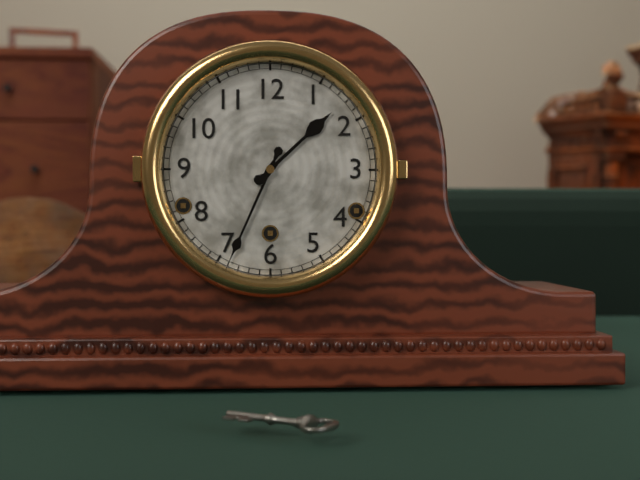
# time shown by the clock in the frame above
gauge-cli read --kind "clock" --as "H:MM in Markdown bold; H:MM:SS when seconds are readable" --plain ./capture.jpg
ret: **1:34**
